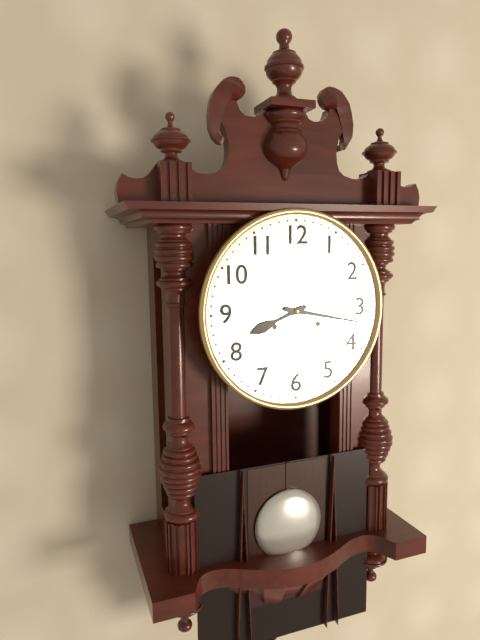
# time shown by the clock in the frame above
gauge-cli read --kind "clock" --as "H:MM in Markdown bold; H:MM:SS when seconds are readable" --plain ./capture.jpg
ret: **8:17**
